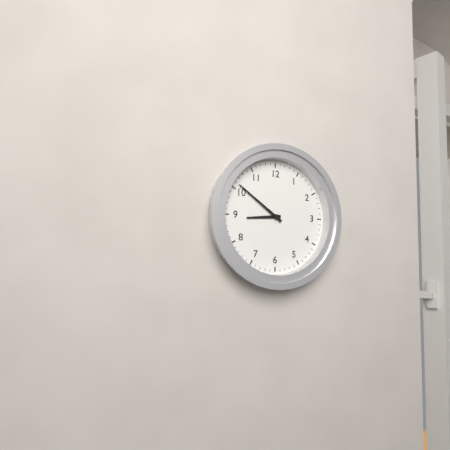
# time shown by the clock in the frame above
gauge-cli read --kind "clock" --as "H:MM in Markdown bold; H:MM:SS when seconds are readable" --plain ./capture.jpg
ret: **8:51**
